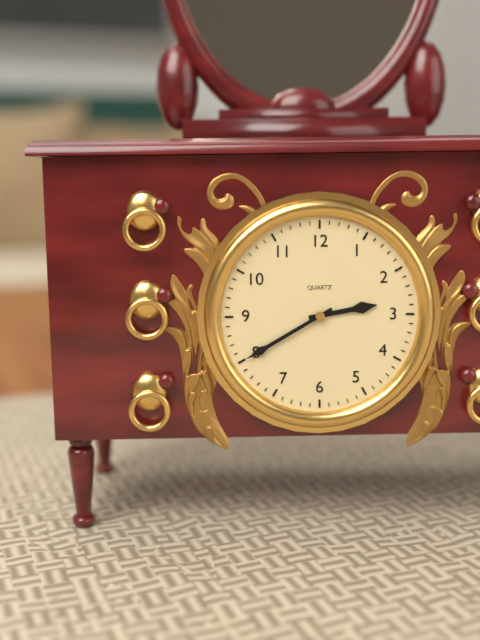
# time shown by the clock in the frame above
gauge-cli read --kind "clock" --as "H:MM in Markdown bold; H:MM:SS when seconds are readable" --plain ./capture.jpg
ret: **2:40**
